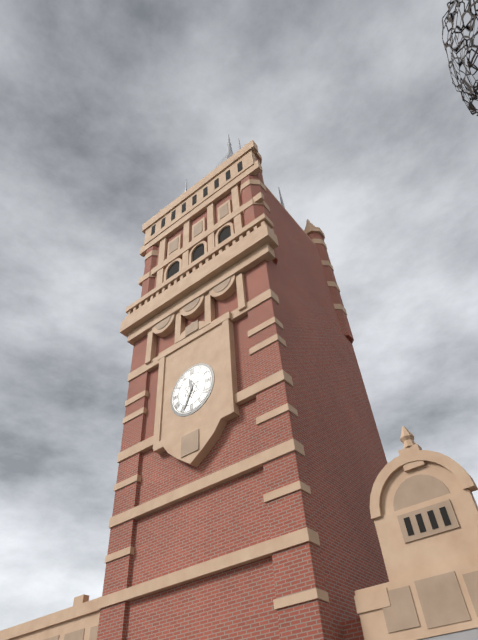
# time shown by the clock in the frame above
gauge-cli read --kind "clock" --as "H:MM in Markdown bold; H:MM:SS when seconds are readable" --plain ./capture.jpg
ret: **11:34**
